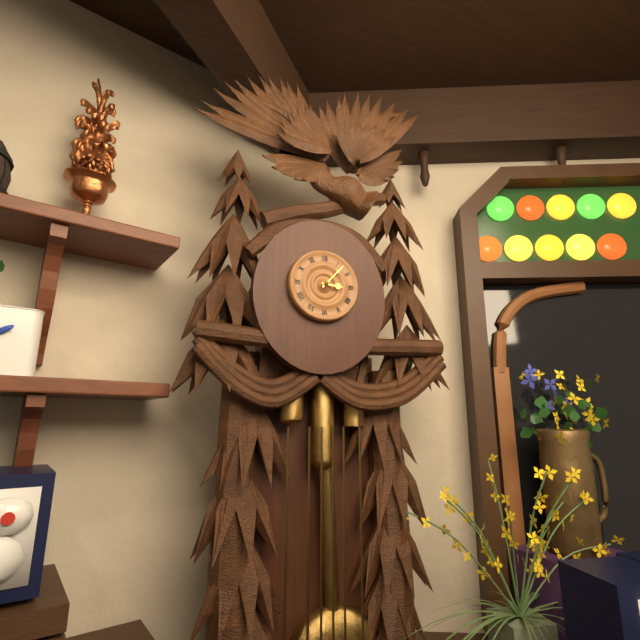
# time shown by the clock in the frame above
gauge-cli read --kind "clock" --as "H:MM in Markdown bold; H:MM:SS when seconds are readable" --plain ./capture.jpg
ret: **3:07**
